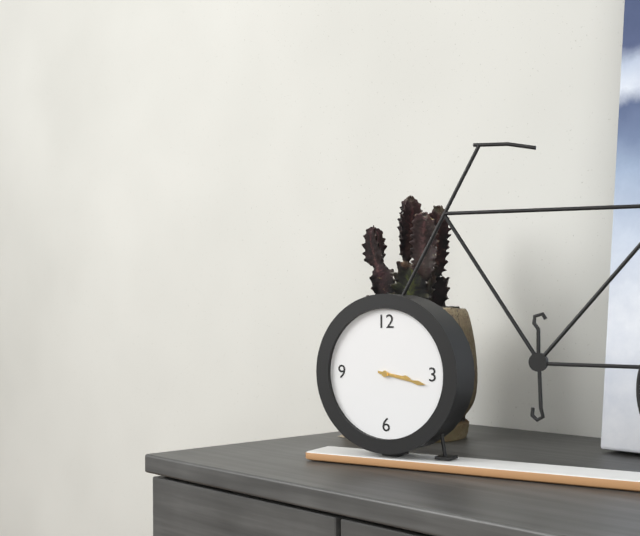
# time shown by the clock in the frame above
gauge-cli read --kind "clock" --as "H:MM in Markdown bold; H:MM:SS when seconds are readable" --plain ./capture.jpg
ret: **3:17**
